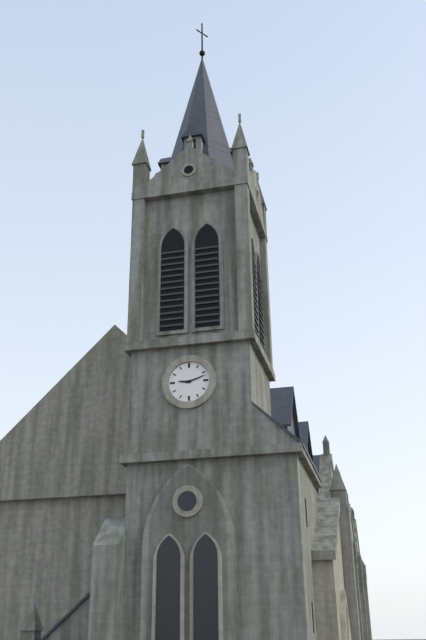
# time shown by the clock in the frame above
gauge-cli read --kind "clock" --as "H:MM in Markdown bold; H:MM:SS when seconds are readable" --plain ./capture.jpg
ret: **9:12**
